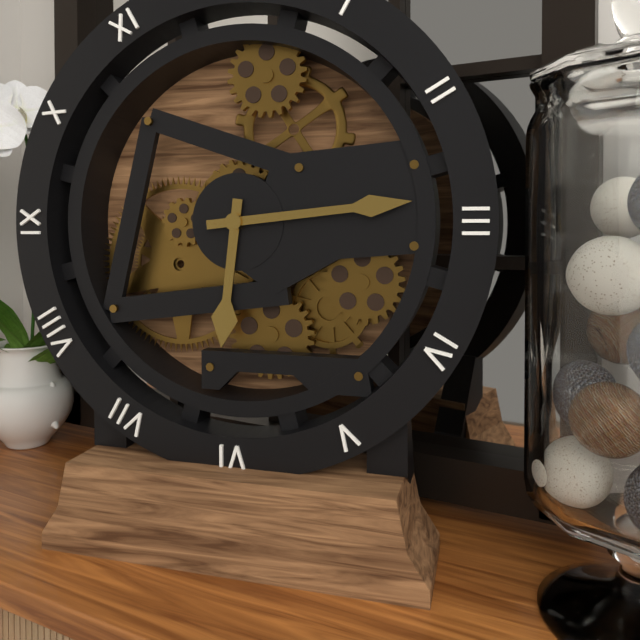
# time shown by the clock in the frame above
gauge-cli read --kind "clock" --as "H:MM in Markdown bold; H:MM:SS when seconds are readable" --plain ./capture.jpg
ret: **6:14**
